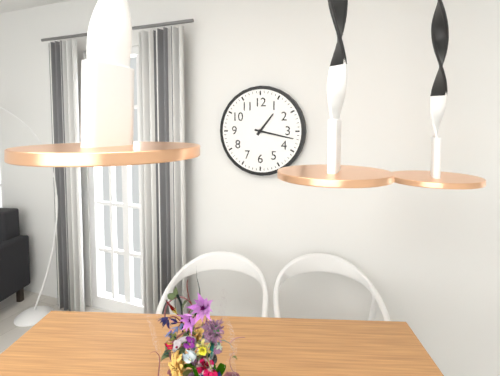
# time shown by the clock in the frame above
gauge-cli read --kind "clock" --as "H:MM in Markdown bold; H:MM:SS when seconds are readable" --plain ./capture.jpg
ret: **1:17**
